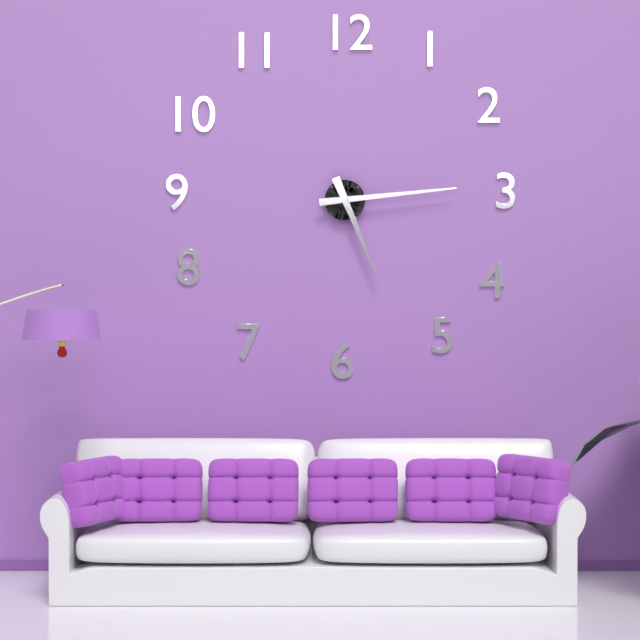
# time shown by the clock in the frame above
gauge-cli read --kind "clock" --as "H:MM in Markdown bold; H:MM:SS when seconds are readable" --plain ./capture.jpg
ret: **5:14**
